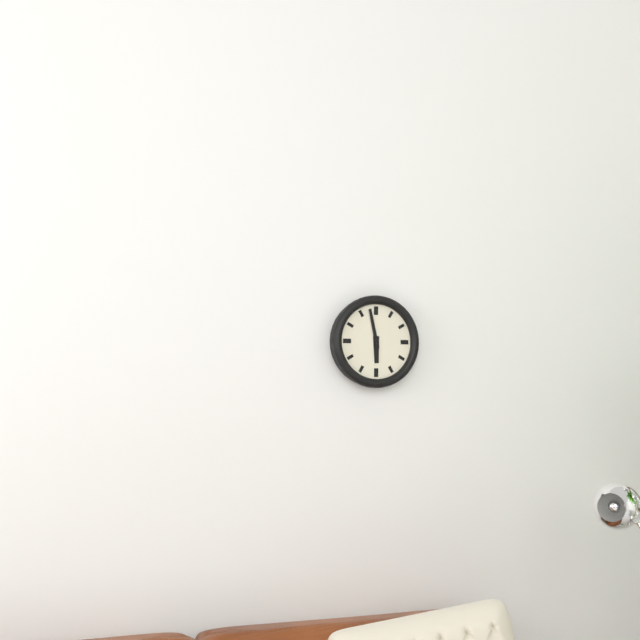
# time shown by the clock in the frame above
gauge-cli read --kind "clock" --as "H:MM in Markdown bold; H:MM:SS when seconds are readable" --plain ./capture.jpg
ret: **5:58**
